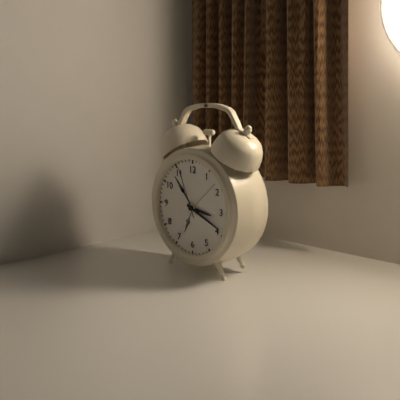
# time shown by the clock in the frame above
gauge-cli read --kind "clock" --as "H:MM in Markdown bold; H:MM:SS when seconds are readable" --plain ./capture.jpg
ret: **3:19:56**
